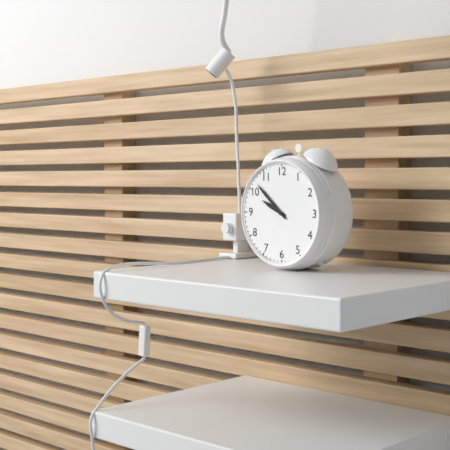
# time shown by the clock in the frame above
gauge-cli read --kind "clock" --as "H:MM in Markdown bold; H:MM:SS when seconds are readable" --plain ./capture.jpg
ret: **9:52**
